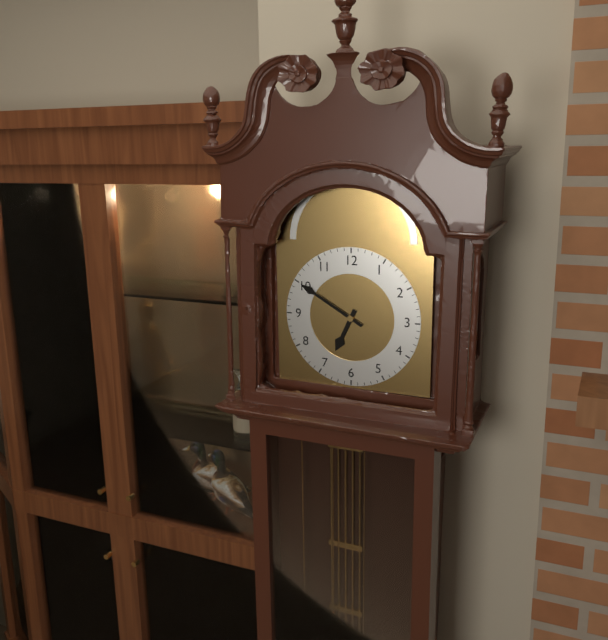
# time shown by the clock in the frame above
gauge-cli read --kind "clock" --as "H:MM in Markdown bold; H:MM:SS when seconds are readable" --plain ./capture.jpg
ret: **6:50**
